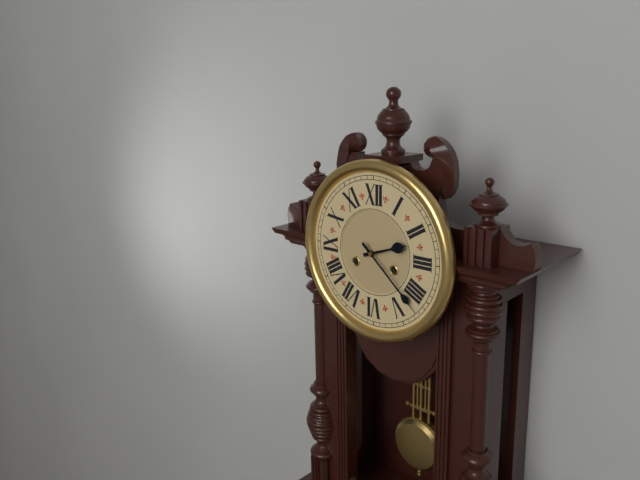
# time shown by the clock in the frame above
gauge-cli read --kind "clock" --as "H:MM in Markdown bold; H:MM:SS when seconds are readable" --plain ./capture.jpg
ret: **2:22**
